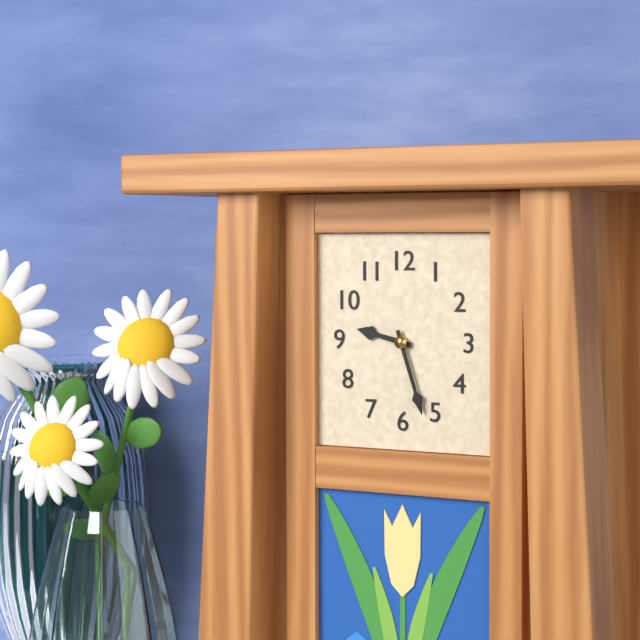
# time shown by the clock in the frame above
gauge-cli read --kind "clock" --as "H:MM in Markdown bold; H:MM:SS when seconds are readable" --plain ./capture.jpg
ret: **9:27**
